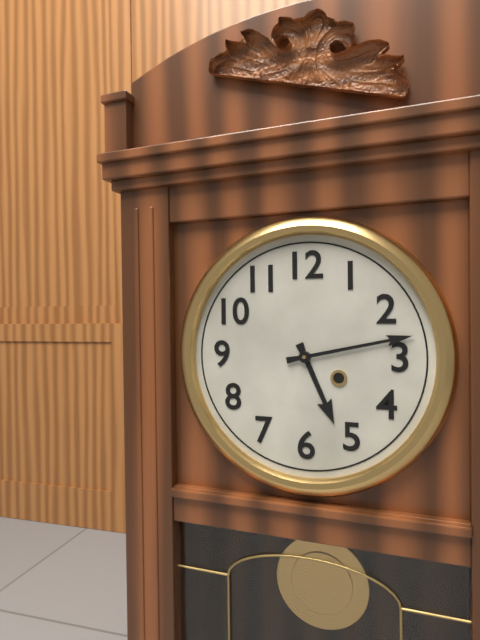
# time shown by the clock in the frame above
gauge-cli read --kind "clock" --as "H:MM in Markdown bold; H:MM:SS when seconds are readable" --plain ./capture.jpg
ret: **5:13**
